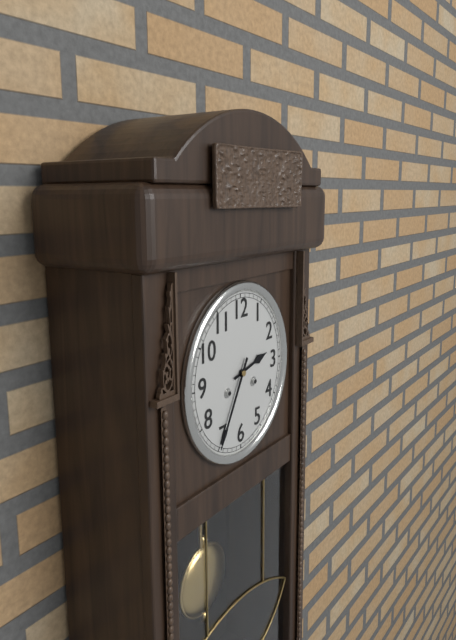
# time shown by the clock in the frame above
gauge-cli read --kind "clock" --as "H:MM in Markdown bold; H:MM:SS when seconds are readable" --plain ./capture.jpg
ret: **2:35**
